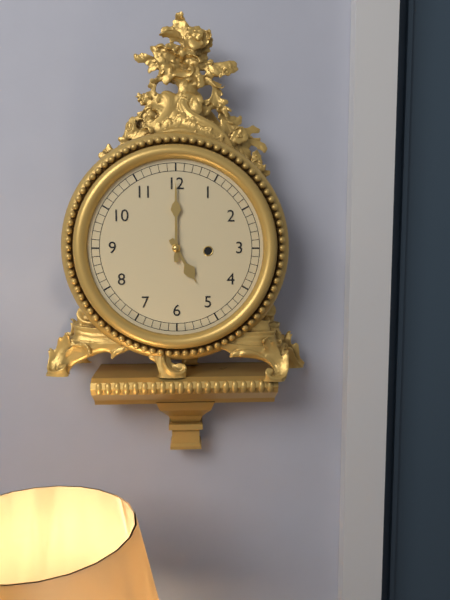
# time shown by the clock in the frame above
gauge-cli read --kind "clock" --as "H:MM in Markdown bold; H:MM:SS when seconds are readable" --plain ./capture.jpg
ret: **5:00**
